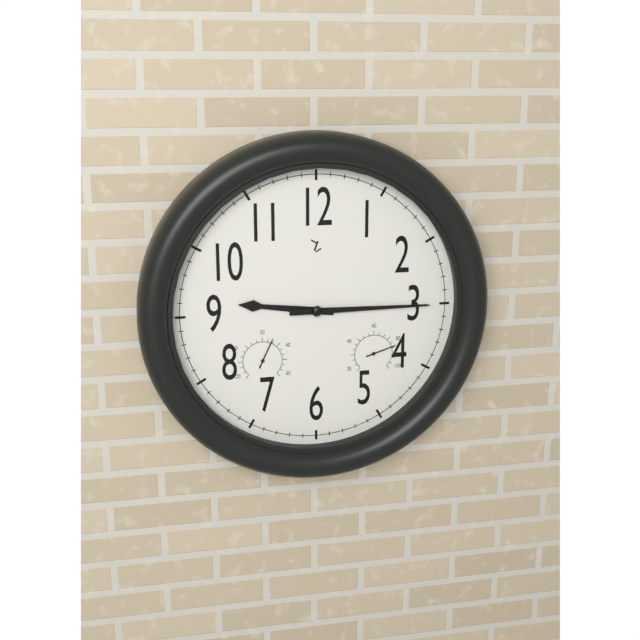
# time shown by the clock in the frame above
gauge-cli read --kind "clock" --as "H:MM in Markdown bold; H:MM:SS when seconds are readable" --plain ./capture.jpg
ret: **9:15**
